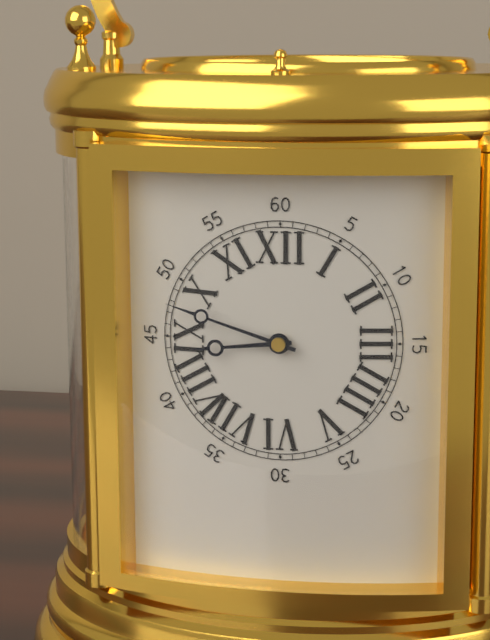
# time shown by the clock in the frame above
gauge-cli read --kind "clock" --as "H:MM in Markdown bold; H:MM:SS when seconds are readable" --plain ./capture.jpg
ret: **8:48**
